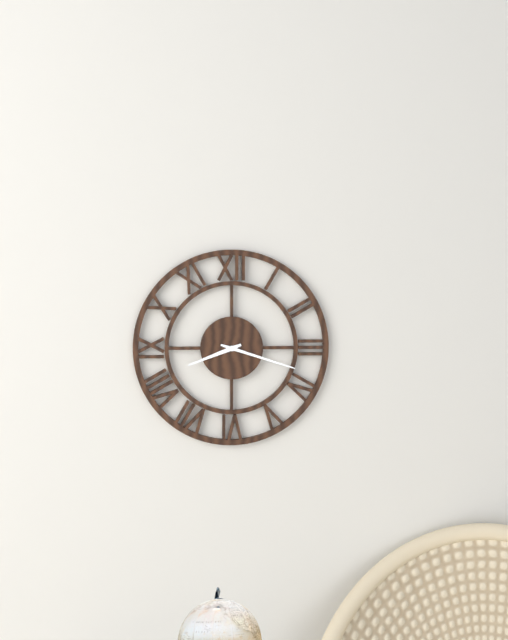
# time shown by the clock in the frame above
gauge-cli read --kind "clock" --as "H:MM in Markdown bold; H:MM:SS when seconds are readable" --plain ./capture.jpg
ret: **8:18**
